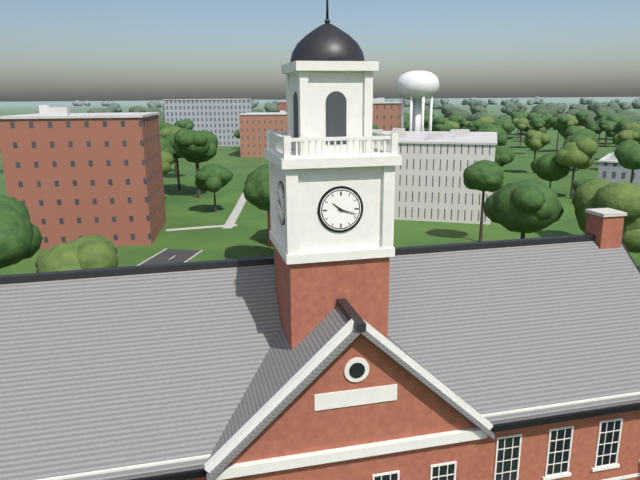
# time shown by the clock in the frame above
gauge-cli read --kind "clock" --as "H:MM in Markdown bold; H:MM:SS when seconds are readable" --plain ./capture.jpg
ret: **10:18**
